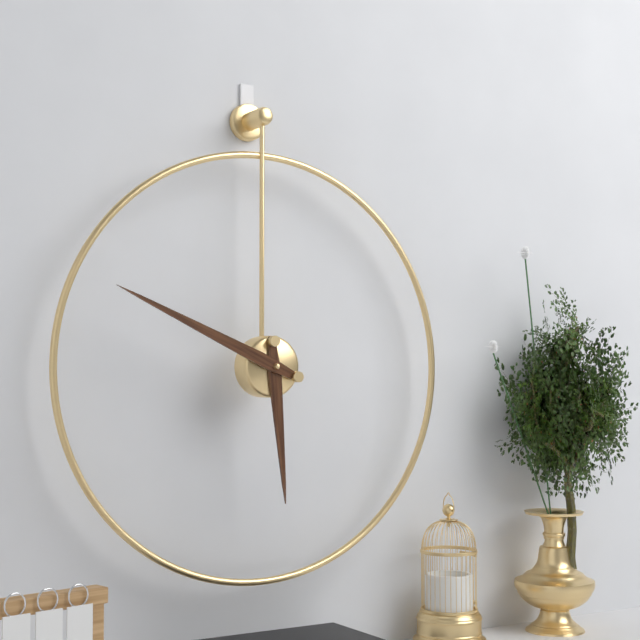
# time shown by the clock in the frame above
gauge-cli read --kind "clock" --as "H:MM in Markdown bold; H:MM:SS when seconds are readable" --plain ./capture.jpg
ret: **5:49**
